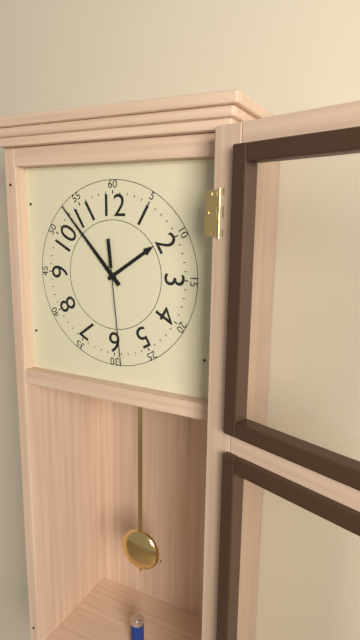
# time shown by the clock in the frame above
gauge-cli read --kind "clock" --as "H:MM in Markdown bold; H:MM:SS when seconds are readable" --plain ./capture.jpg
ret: **1:53:29**
